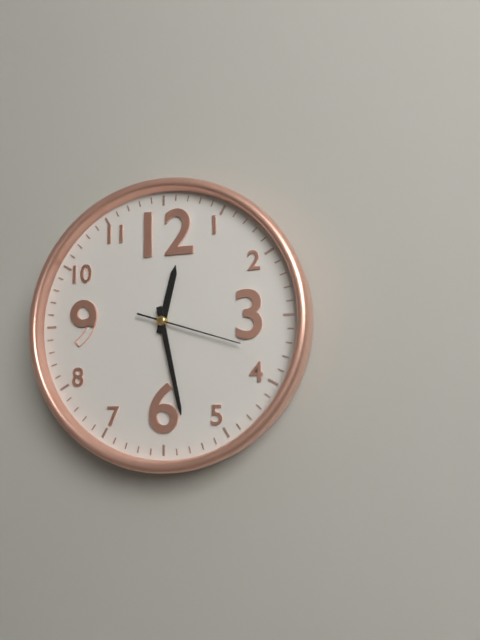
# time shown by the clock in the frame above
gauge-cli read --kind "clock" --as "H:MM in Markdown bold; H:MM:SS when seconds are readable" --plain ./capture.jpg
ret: **12:28:18**
